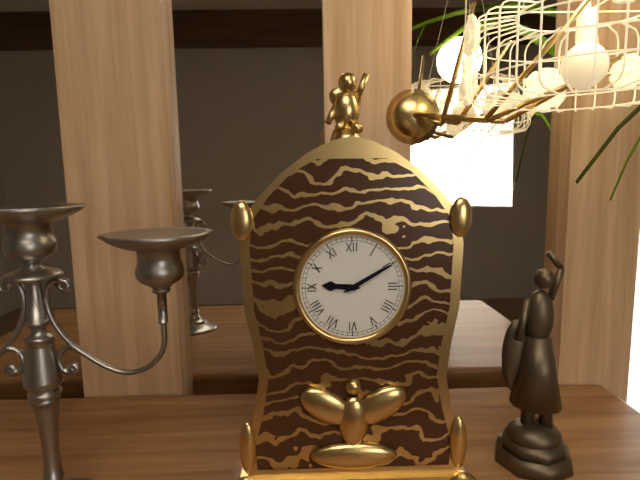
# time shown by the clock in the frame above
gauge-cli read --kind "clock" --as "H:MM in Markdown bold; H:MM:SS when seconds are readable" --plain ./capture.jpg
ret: **9:10**
